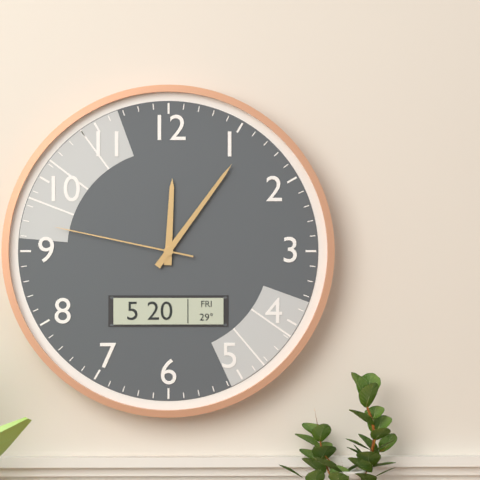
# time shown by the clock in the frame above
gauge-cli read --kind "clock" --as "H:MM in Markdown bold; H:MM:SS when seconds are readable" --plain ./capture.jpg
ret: **12:06:47**
